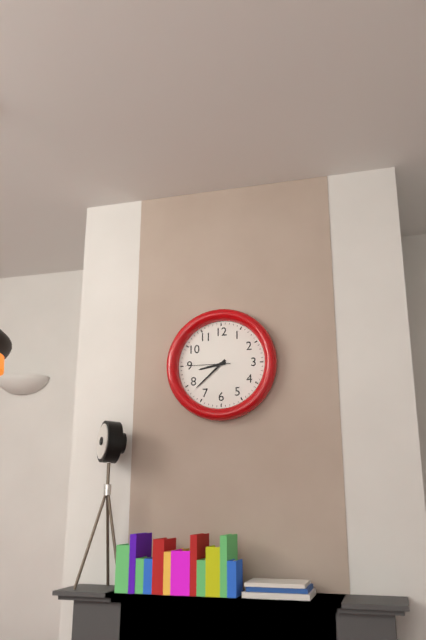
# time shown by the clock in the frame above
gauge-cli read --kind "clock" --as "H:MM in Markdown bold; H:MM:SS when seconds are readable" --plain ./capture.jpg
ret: **8:38**
